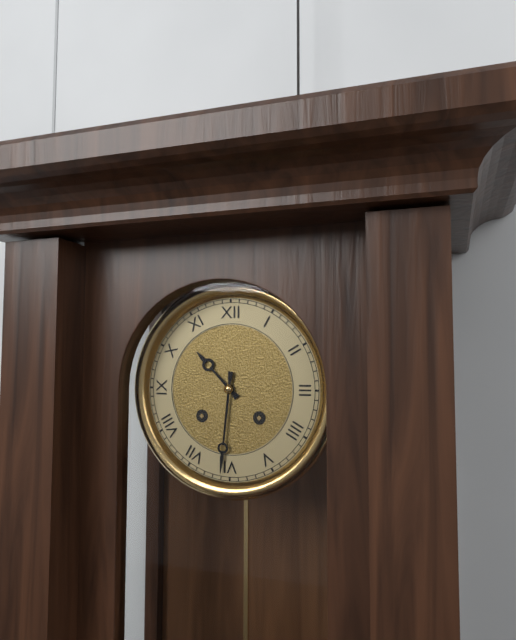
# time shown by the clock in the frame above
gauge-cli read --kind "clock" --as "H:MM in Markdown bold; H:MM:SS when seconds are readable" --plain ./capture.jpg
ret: **10:31**
